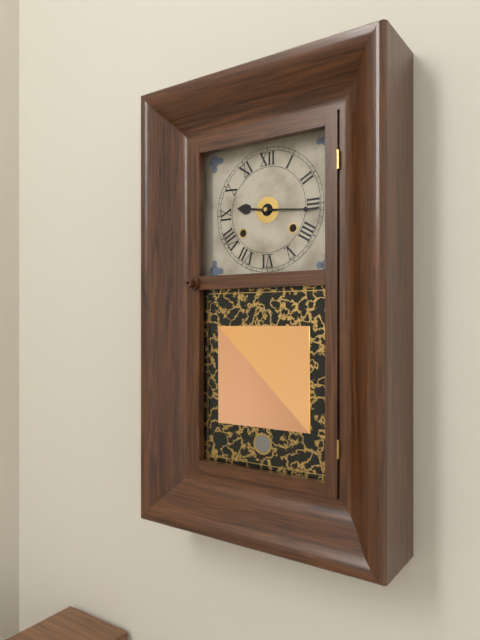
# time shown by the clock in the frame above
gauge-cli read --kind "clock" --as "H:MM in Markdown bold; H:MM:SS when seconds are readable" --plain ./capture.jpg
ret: **9:16**
